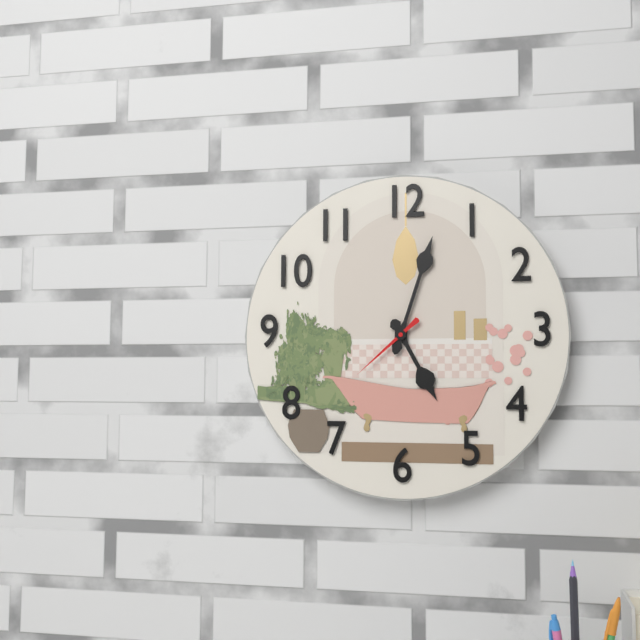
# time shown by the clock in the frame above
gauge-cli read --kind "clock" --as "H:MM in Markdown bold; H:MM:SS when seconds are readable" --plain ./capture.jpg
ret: **5:03:38**
